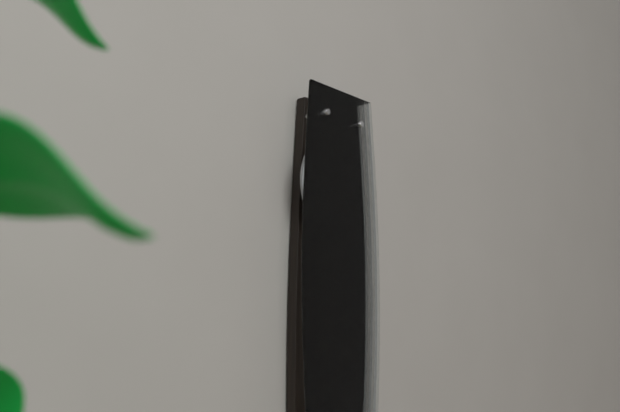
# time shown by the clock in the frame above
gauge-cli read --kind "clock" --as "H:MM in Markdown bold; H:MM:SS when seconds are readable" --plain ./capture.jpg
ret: **2:37**
